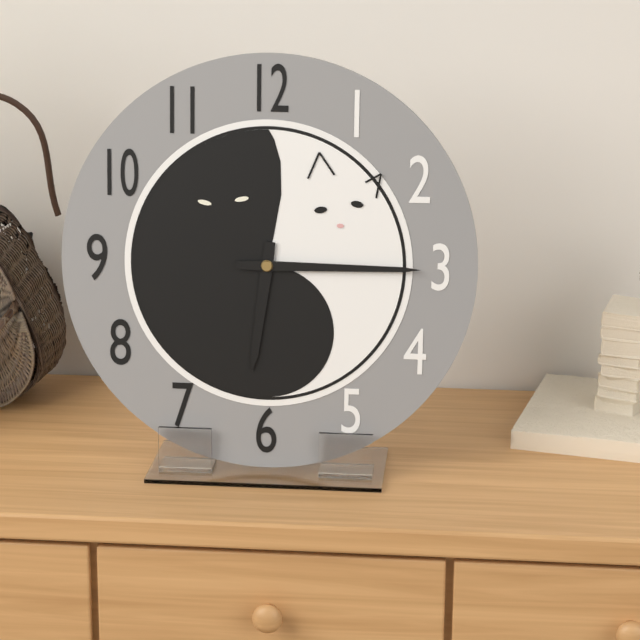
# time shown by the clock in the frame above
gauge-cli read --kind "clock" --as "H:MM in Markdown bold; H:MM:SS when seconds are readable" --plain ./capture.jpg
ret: **6:15**
